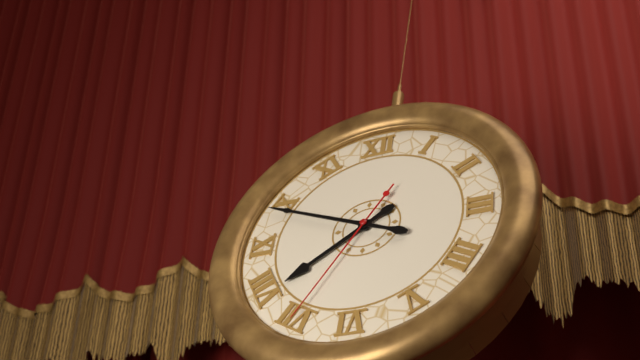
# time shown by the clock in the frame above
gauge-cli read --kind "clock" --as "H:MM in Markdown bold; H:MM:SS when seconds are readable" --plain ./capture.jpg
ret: **7:49:35**
